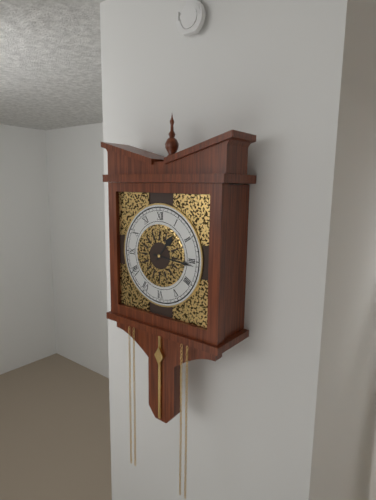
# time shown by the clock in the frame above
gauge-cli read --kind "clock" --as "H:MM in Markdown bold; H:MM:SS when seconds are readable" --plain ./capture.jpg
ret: **1:16**
